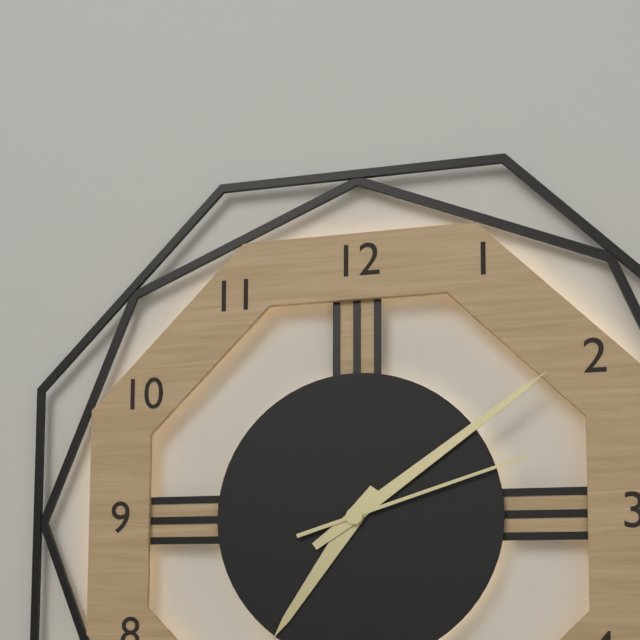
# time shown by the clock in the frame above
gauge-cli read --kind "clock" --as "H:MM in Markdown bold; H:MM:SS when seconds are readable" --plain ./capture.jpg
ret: **7:09:12**
